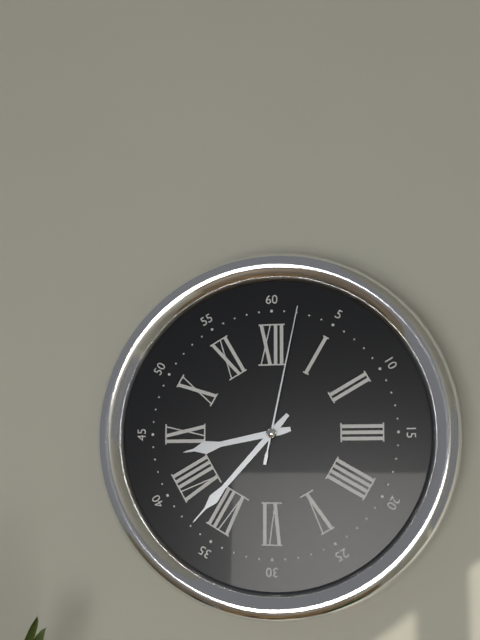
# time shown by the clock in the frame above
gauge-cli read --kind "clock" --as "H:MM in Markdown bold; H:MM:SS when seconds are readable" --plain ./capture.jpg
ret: **8:37:02**
